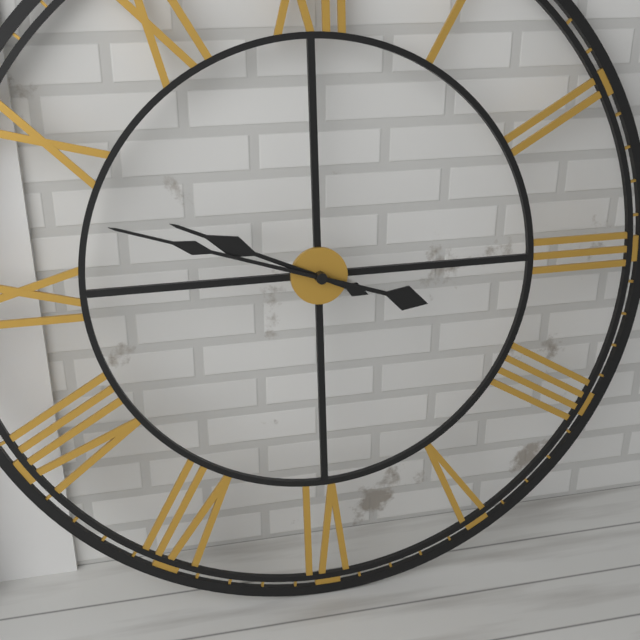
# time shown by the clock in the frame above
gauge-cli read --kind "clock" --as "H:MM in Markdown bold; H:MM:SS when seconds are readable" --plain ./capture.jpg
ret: **9:48**
